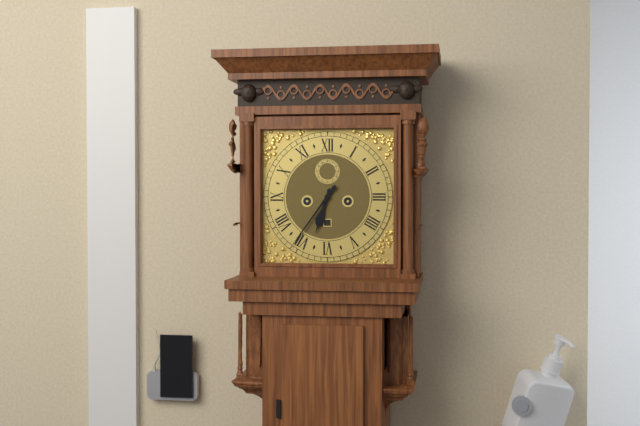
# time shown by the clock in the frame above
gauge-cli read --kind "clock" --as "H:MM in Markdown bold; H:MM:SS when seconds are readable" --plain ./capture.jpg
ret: **6:36**
